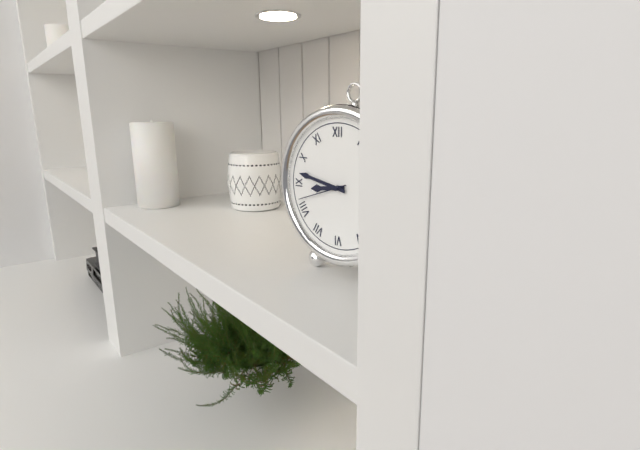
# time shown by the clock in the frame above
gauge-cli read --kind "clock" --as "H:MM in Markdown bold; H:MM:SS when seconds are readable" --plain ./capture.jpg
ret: **8:47:42**
